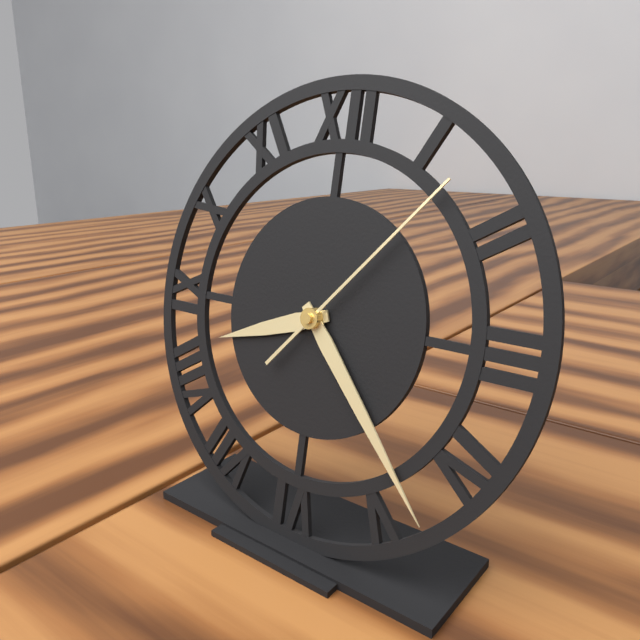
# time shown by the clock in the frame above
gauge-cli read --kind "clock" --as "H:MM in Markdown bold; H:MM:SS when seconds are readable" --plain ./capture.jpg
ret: **8:23:07**
